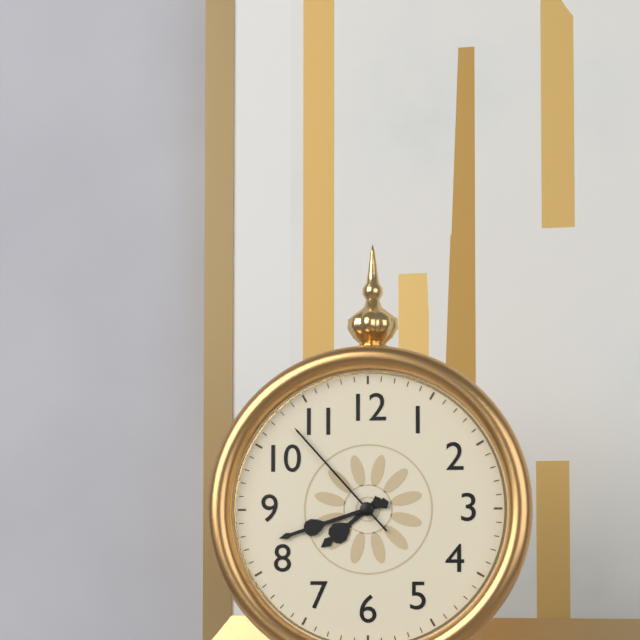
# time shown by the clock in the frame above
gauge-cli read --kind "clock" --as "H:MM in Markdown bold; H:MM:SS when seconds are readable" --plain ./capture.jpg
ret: **7:42:53**
